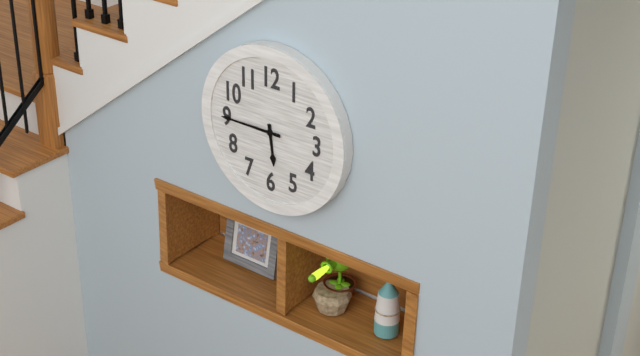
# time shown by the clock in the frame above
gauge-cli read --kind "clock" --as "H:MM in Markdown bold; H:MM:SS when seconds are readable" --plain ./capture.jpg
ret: **5:45**
